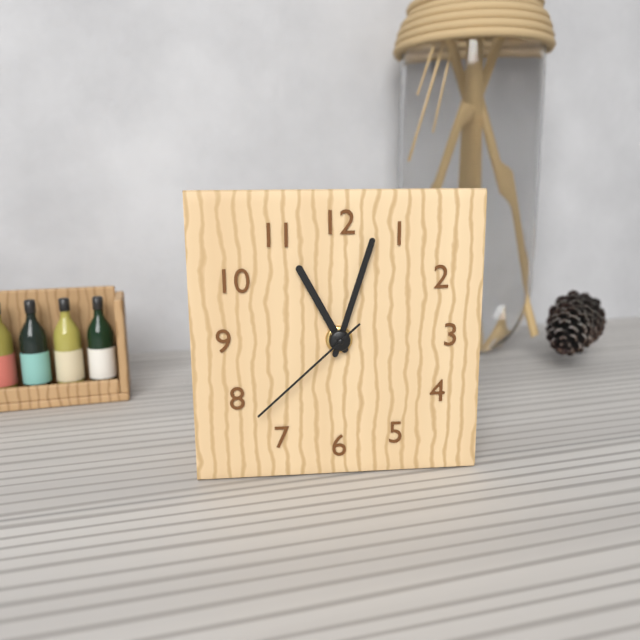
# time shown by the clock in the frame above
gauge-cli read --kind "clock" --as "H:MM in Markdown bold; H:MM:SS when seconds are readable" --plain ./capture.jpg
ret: **11:03:38**
